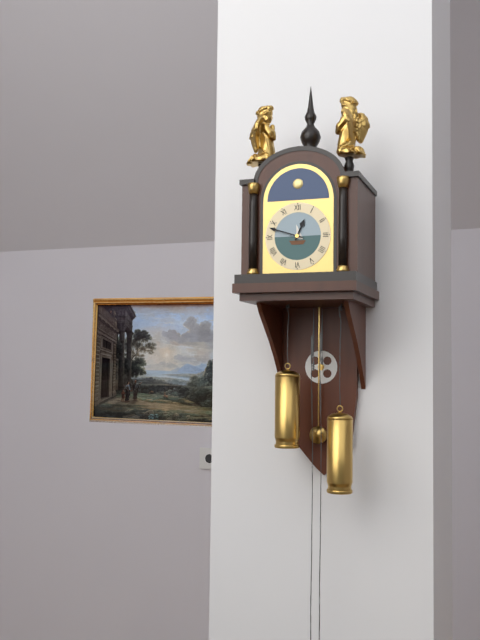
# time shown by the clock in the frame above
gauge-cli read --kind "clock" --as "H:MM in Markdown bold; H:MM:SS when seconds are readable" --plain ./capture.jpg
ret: **12:48**
